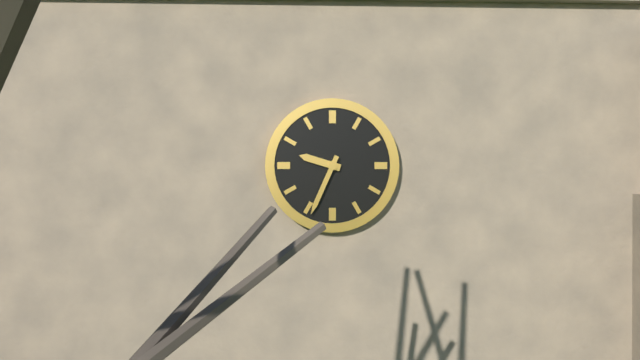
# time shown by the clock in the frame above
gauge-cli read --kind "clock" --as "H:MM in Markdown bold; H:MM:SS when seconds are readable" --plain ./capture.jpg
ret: **9:34**
